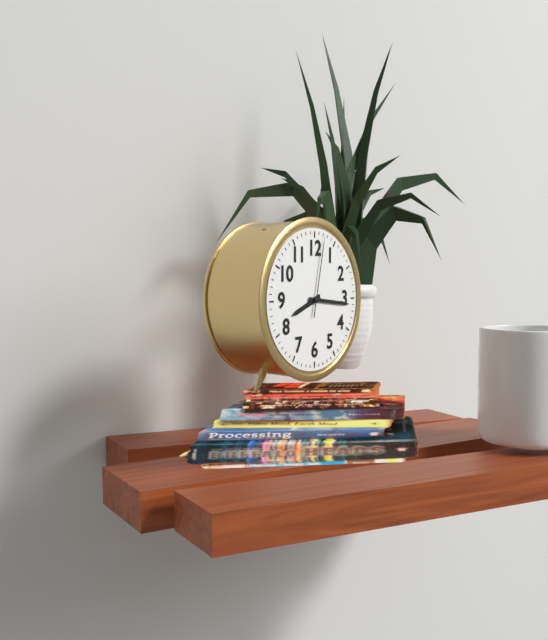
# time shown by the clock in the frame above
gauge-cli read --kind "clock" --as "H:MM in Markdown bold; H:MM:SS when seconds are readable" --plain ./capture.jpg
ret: **8:16:02**
